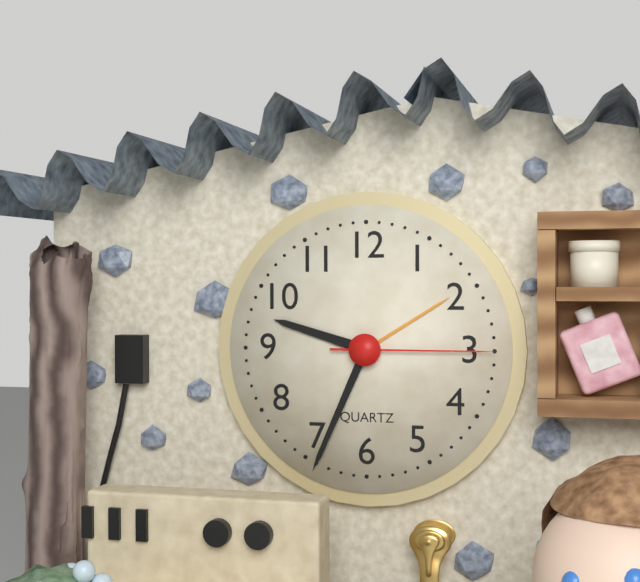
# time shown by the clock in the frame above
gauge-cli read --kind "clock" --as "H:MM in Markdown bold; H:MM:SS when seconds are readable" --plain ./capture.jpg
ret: **9:34:15**
